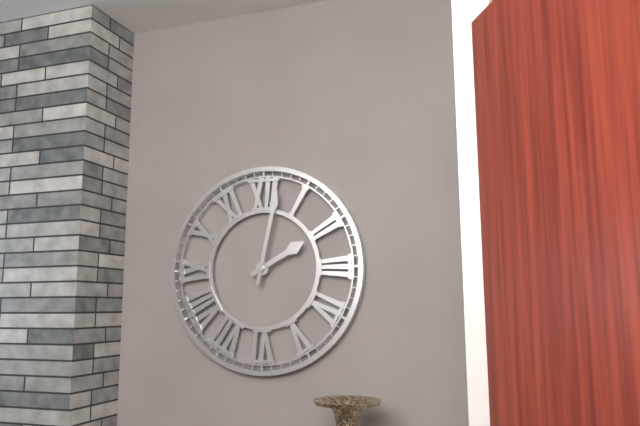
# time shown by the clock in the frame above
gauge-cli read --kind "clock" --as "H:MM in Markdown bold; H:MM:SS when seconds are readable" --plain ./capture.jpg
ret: **2:02**
